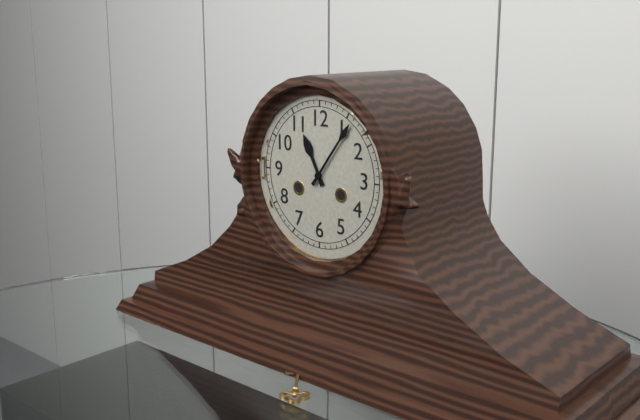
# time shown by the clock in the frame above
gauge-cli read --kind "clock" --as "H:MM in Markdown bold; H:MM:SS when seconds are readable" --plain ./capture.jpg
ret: **11:06**
